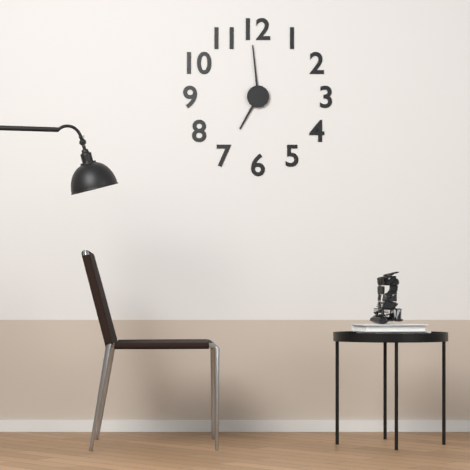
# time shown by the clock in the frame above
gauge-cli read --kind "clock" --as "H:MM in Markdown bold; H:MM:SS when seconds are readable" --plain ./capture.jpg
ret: **6:59**
